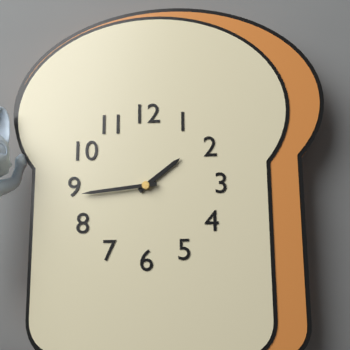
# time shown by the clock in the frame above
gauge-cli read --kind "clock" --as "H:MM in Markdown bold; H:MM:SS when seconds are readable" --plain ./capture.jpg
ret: **1:44**
